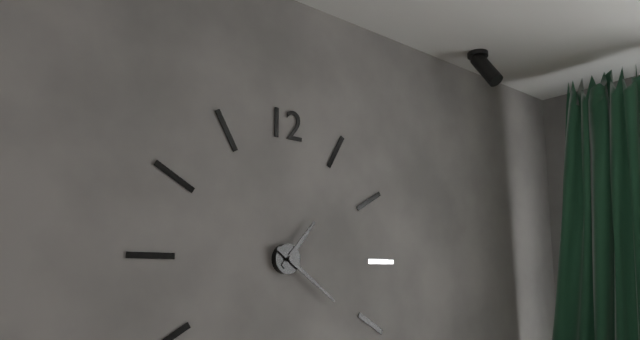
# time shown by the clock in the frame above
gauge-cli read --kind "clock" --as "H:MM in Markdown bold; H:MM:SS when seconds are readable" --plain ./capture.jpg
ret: **1:21**
